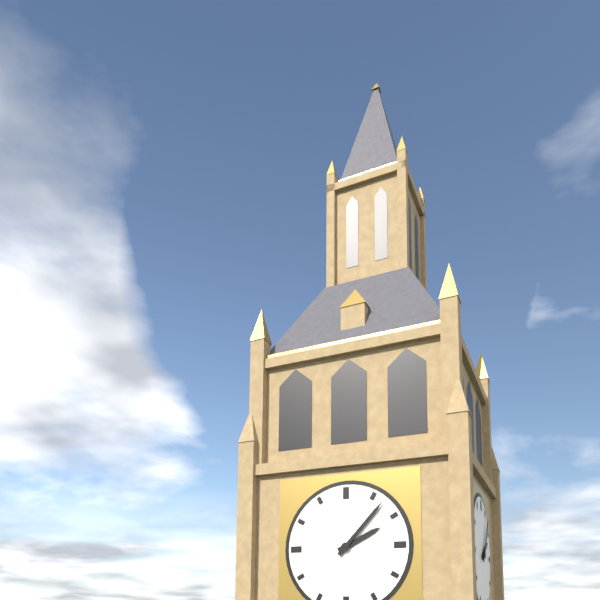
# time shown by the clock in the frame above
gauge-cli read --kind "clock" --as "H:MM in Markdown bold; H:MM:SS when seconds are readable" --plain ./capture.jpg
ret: **2:07**
